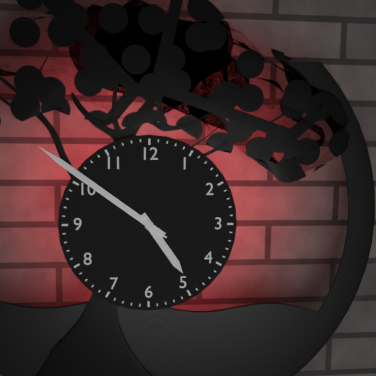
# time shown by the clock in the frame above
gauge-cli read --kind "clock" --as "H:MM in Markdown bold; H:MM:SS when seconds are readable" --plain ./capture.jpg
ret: **4:51:51**
